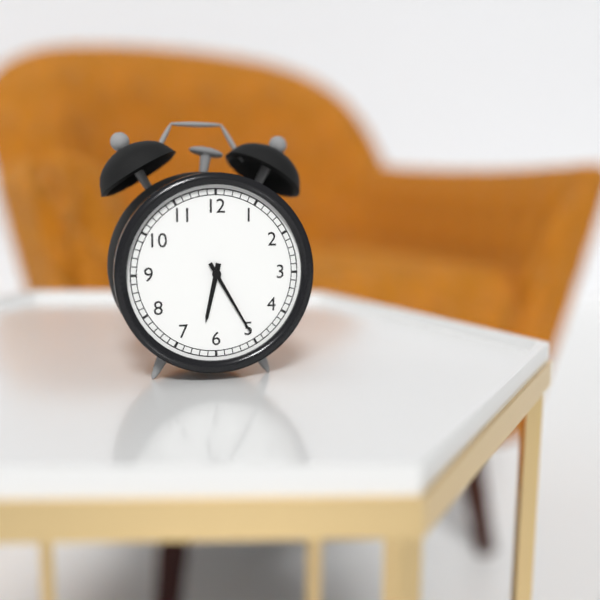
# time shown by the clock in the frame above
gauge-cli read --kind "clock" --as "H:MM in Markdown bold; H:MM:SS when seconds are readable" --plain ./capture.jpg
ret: **6:25**
